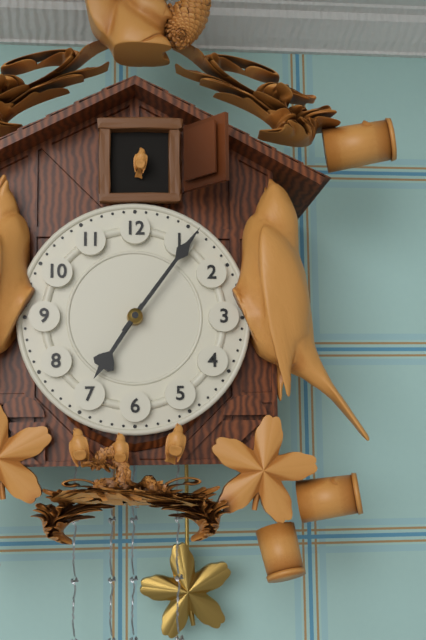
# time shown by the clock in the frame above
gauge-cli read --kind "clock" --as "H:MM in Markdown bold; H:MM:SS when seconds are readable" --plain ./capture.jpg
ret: **7:06**
